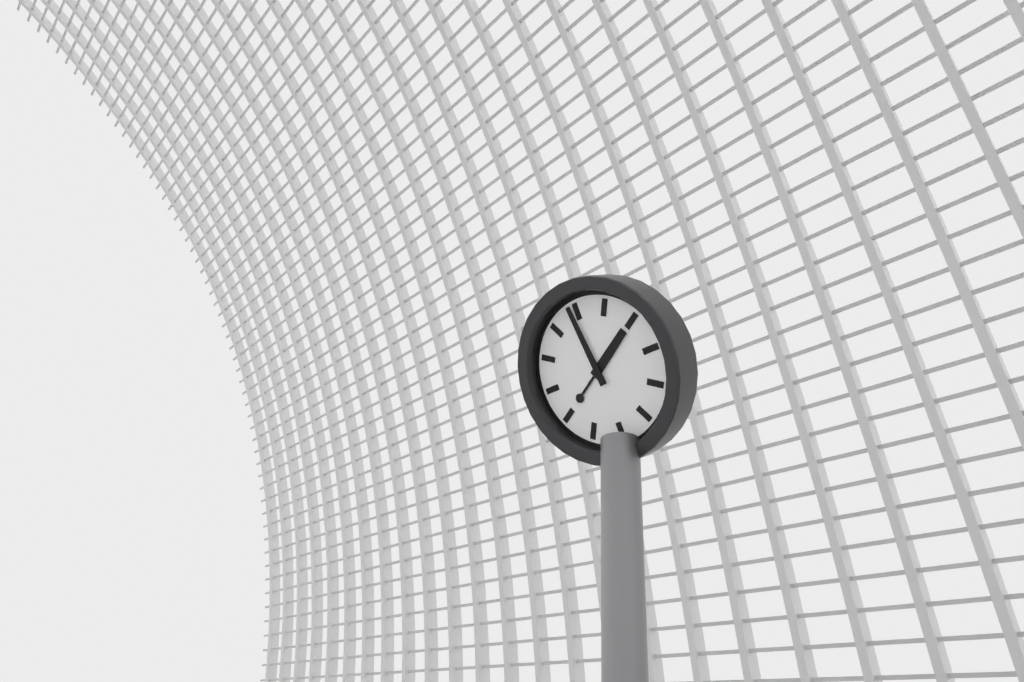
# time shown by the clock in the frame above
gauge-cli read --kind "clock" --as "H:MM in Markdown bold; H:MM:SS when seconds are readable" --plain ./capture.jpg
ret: **1:59**
